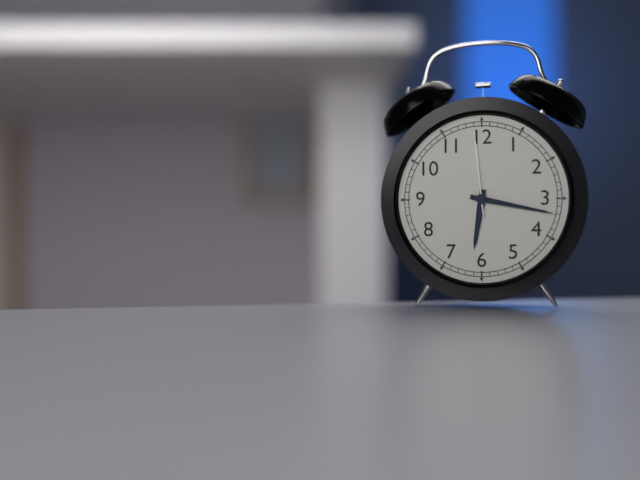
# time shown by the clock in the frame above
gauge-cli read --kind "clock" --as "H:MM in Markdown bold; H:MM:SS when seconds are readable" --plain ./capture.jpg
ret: **6:17:59**
